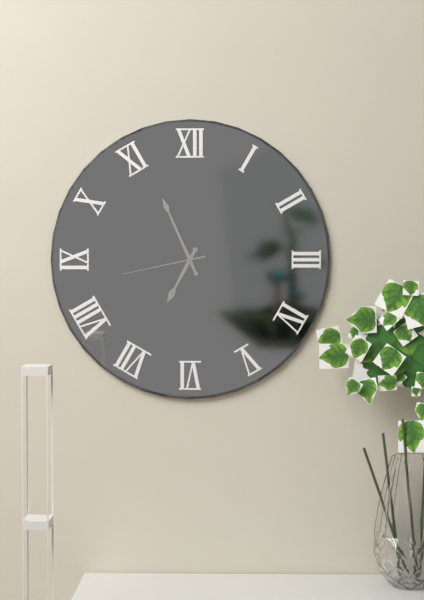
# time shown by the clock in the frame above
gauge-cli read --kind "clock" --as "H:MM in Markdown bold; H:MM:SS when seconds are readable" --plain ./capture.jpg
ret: **6:56:43**
